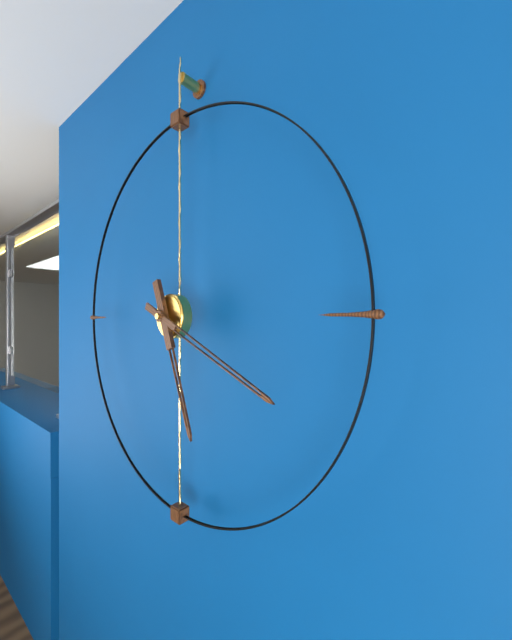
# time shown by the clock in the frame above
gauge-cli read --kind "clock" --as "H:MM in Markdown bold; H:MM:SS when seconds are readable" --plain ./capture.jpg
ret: **5:19**
